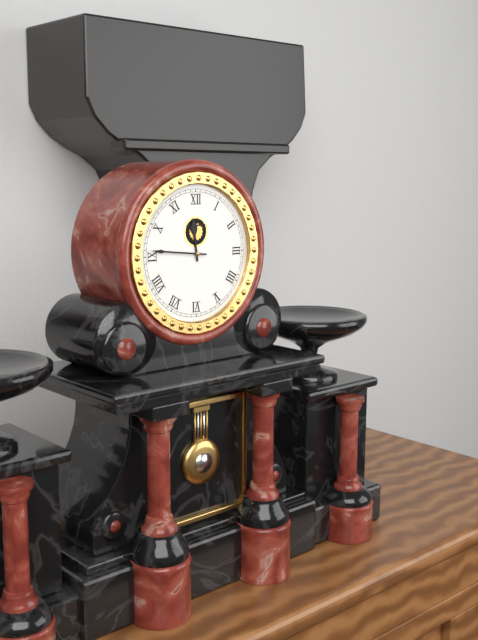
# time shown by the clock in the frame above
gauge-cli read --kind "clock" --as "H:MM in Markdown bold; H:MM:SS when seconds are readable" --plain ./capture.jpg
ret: **11:46**
